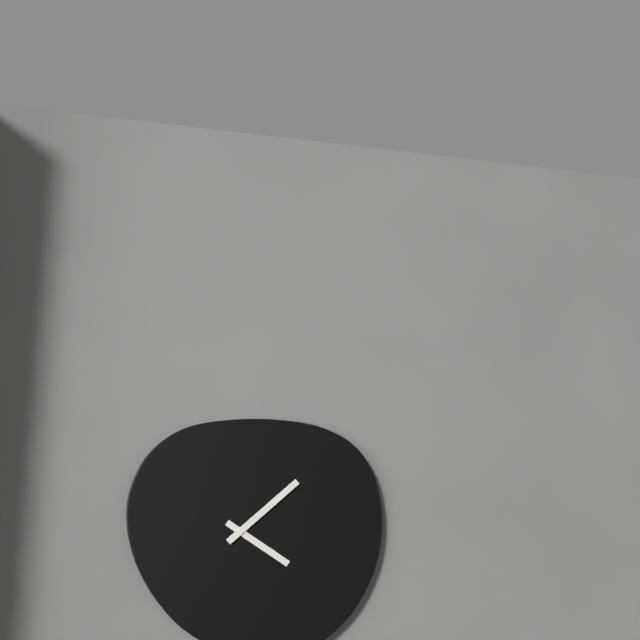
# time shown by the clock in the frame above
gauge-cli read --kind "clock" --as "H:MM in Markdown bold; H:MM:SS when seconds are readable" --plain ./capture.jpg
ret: **4:08**
